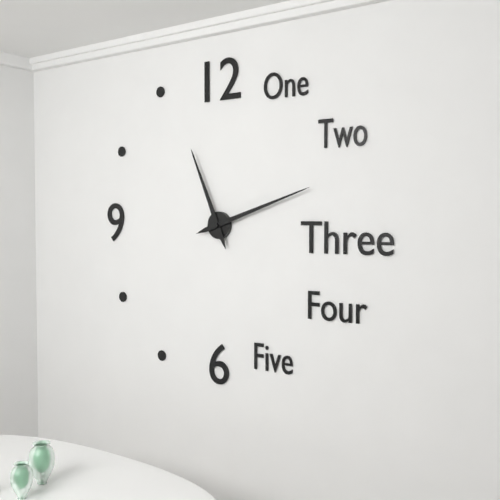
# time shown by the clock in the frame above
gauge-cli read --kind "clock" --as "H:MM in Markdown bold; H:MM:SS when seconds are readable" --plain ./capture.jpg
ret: **11:12**
